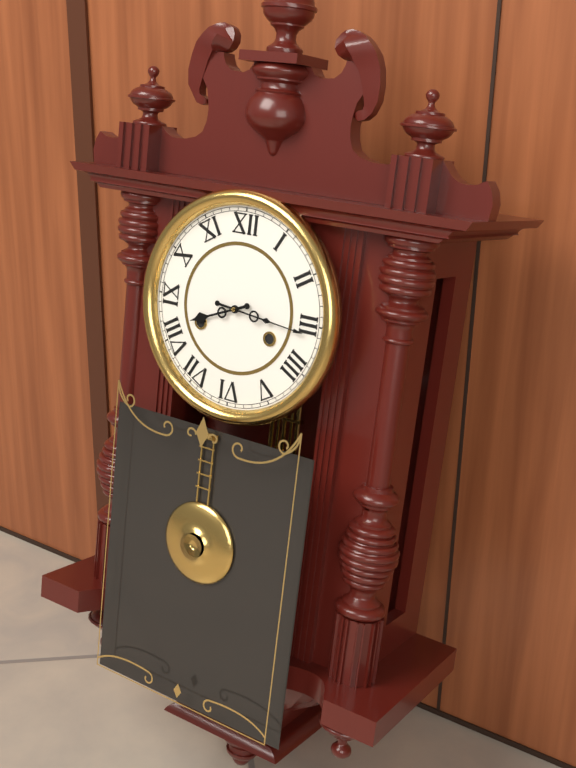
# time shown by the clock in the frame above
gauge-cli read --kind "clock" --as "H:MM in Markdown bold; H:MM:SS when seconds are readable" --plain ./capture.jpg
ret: **8:16**
